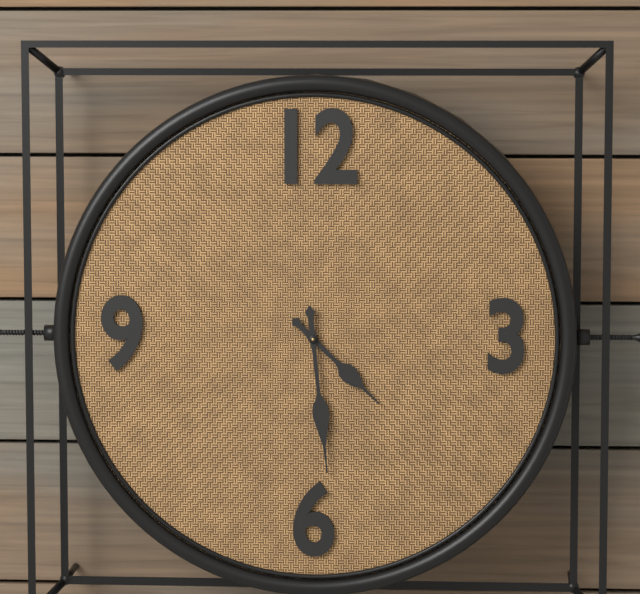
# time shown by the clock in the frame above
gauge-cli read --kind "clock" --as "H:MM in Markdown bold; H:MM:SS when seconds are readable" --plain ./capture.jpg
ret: **4:29**
